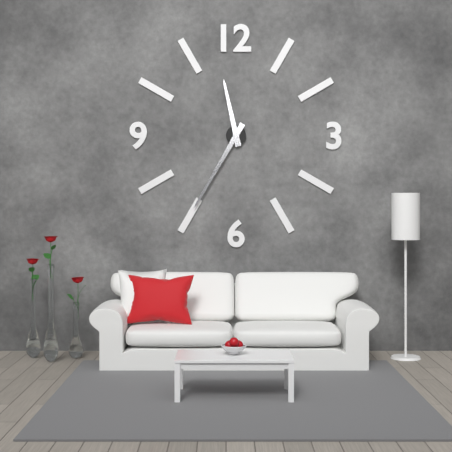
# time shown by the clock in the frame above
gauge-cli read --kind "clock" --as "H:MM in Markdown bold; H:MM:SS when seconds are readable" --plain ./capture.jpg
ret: **11:35**
